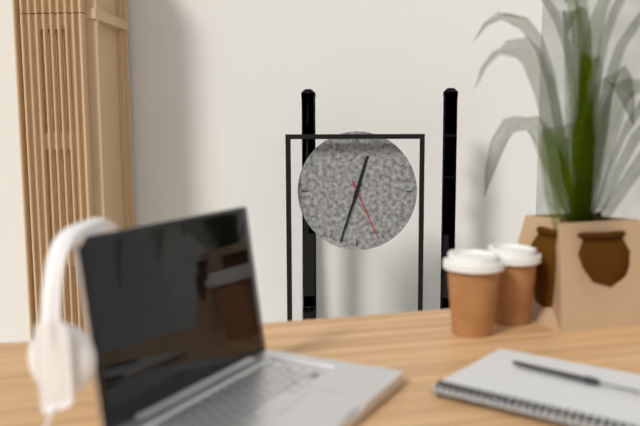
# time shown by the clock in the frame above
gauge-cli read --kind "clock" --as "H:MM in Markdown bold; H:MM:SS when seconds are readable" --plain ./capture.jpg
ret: **12:33:26**
